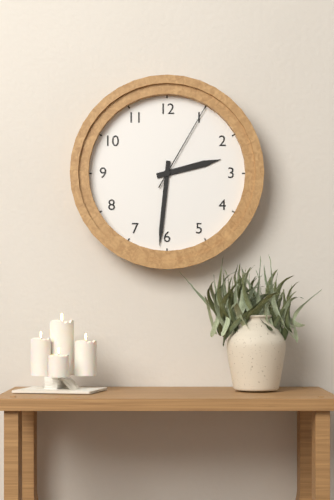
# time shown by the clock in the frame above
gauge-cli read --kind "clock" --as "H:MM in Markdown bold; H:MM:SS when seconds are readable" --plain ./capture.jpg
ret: **2:31:05**
